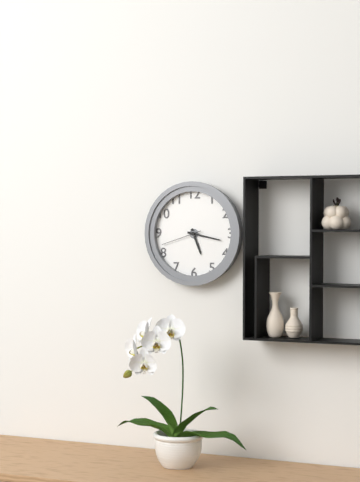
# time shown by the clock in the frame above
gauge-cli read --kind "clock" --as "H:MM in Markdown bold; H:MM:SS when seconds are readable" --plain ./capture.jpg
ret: **5:17**
